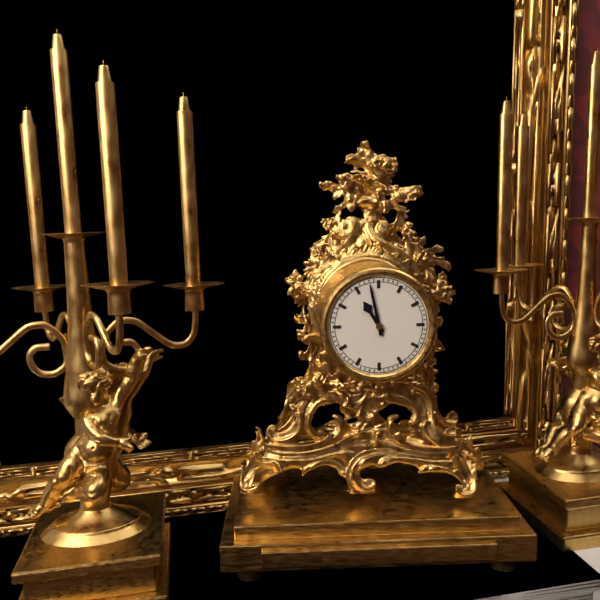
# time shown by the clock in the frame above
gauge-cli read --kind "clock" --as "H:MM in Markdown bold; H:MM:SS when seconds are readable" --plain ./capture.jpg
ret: **10:58**
